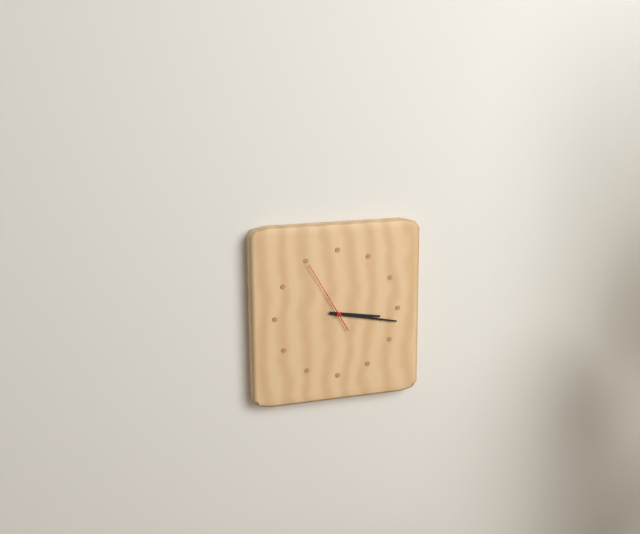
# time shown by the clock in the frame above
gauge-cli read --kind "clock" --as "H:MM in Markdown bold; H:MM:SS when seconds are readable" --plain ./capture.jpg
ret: **3:17:55**
